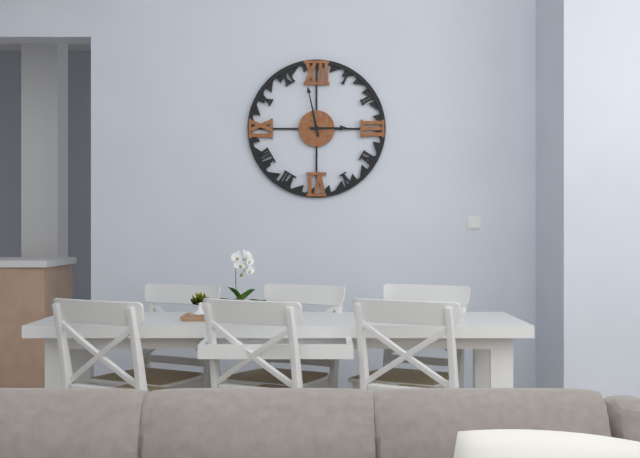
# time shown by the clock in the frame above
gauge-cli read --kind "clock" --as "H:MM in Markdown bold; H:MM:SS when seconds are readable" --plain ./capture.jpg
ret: **2:58**
